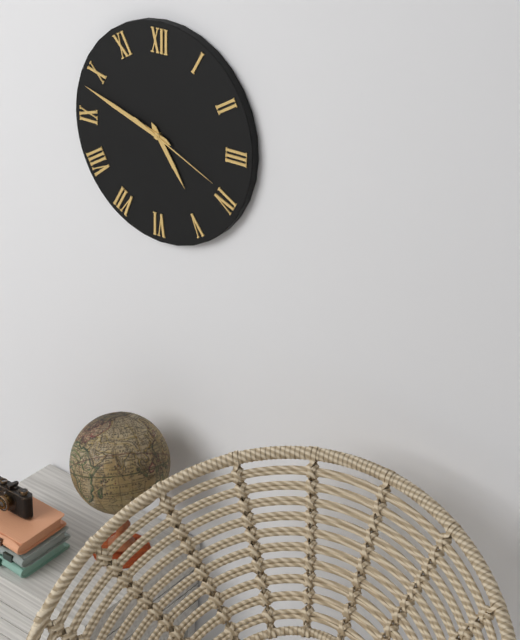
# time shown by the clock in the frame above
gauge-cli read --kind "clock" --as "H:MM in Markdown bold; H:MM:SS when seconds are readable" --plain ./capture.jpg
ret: **4:48:19**
